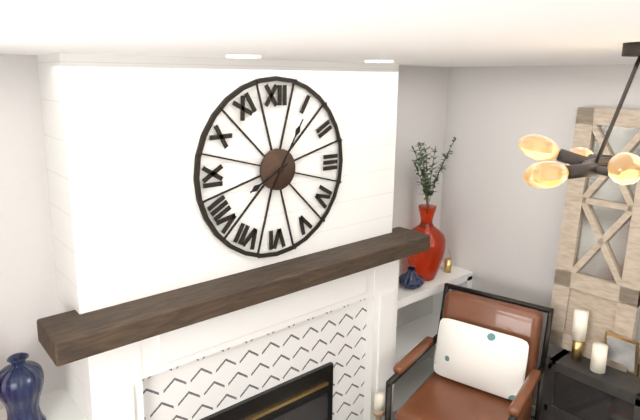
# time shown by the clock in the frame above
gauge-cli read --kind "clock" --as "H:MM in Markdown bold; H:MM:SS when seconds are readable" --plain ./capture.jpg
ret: **8:05**
